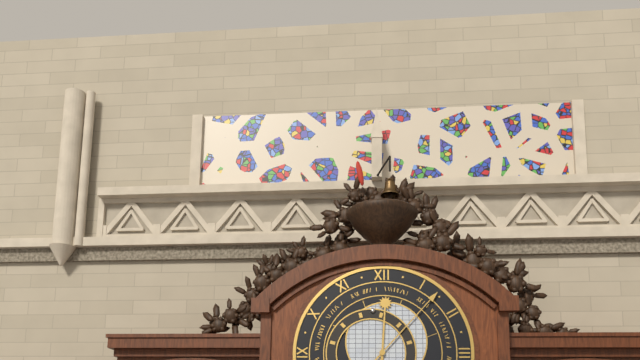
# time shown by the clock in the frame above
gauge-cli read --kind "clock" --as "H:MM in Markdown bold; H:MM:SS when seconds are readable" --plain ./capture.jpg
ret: **12:07**
